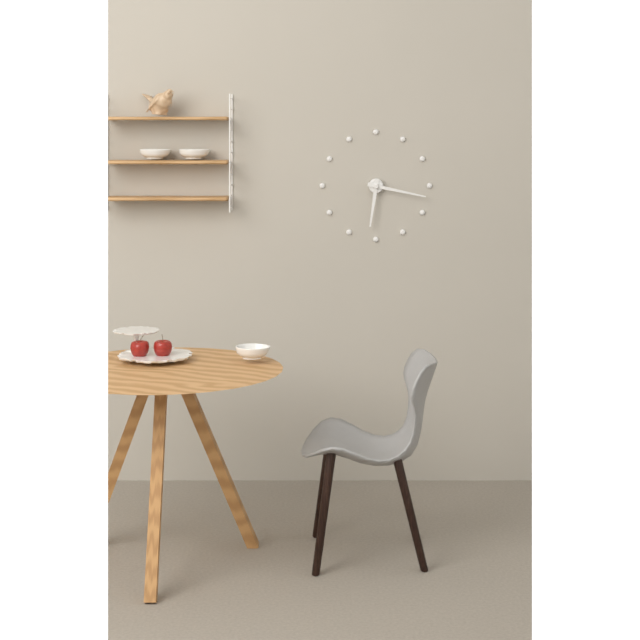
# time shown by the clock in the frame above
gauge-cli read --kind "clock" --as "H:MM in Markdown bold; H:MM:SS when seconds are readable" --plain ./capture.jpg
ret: **6:17**
